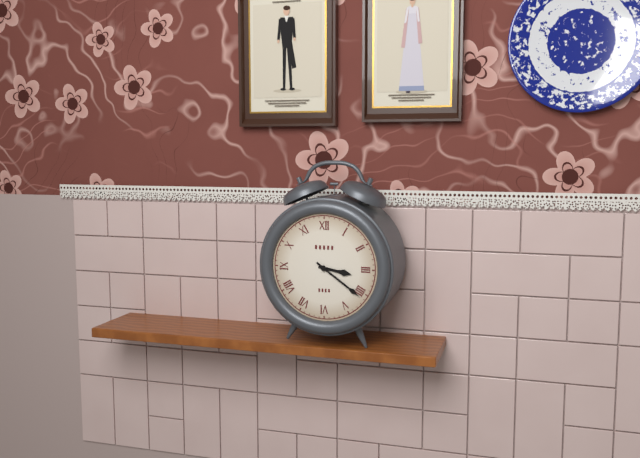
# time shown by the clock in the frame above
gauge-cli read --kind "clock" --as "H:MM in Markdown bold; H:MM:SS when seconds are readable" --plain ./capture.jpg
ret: **3:21**
